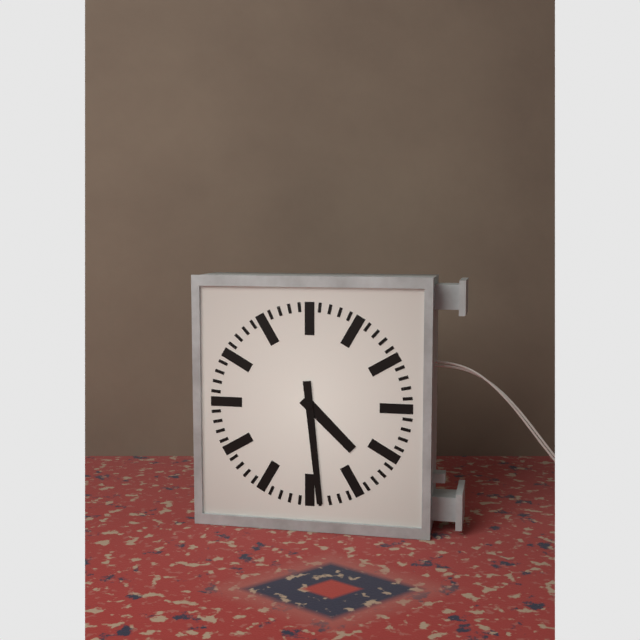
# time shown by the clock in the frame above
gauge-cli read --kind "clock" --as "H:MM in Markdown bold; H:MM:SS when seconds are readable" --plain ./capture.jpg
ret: **4:29**
